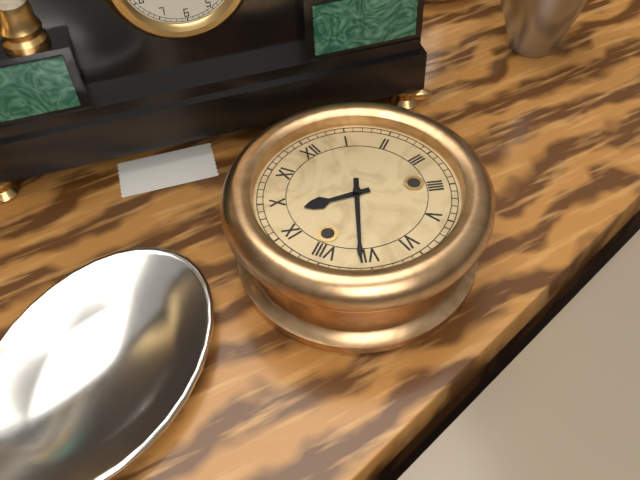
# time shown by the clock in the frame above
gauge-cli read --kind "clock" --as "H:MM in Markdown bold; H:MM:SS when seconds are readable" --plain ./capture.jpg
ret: **9:36**
